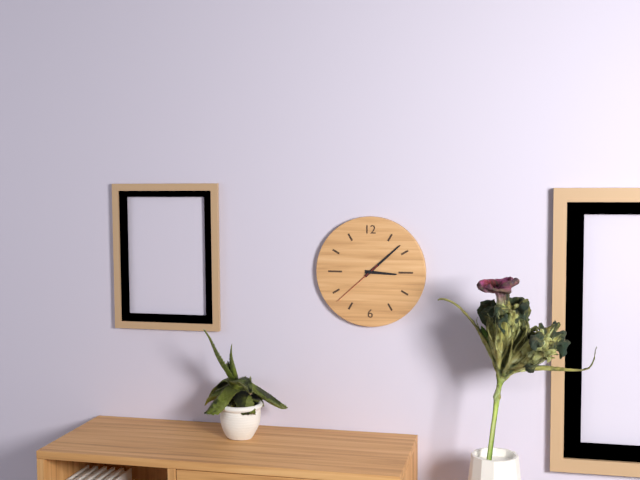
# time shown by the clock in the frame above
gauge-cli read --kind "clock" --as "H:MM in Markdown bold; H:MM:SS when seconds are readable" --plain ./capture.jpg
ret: **3:08:38**
